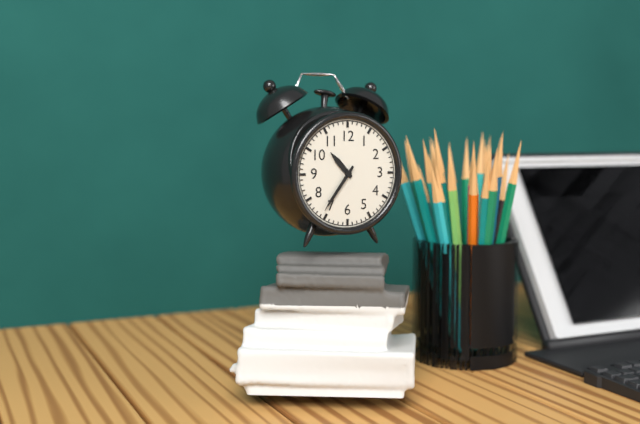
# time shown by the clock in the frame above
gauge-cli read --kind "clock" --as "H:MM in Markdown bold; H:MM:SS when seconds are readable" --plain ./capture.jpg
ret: **10:36**
